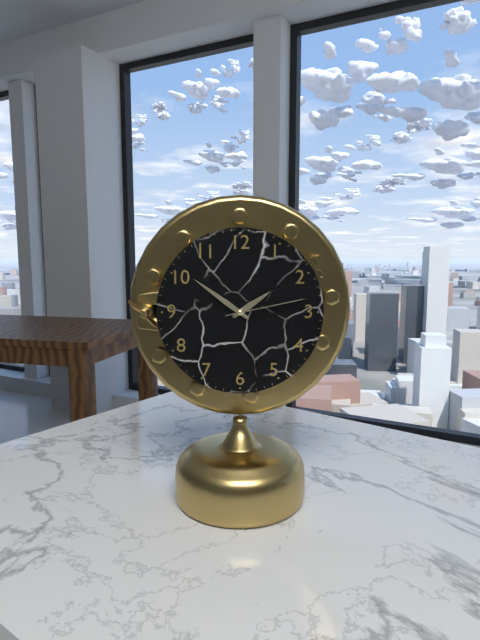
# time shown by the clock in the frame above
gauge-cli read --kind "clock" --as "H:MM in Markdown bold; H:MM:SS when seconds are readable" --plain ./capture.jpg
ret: **1:51:13**
